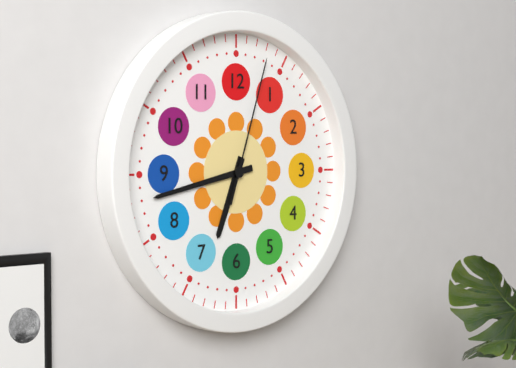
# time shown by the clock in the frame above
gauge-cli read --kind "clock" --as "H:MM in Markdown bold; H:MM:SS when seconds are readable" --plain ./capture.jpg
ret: **6:43:03**
